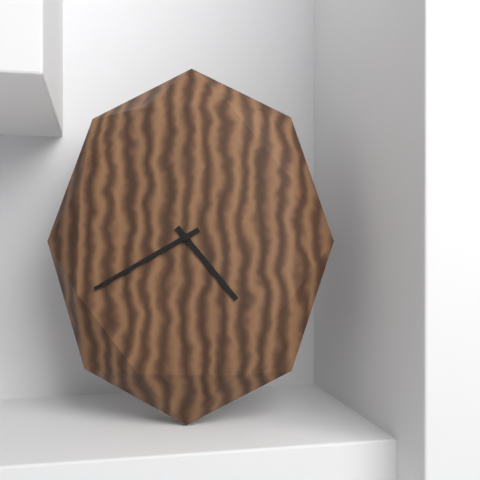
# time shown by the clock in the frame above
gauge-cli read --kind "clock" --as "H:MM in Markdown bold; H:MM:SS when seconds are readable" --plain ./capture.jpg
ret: **4:40**
